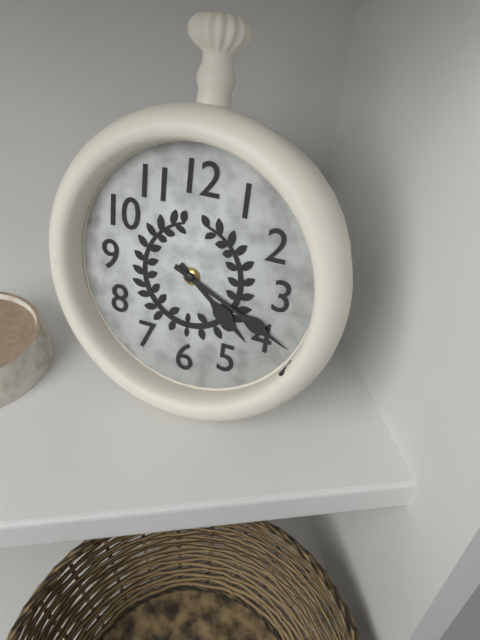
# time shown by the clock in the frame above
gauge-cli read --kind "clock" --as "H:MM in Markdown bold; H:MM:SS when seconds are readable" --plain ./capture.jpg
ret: **4:19**
